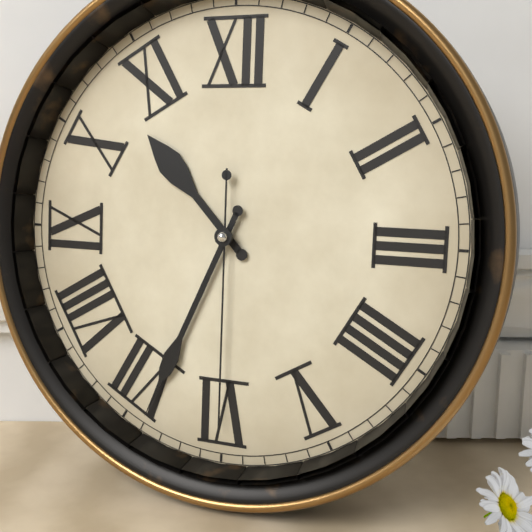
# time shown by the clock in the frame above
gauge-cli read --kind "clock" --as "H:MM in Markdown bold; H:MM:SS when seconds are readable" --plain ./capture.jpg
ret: **10:34:30**
